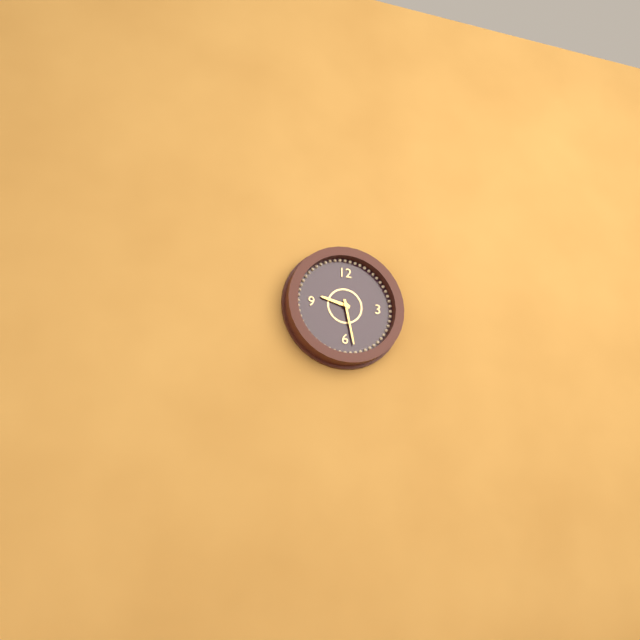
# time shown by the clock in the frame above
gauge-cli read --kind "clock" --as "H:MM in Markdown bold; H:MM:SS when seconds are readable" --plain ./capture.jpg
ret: **9:28**
